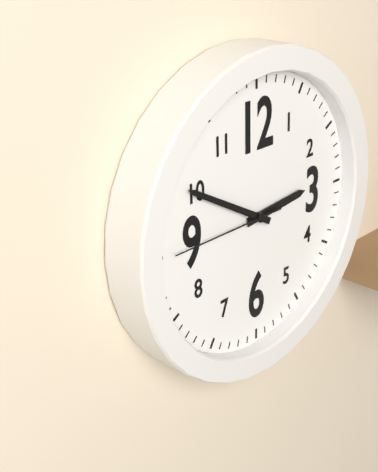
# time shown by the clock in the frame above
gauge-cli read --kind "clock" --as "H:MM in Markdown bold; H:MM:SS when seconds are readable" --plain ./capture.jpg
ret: **2:50:45**
